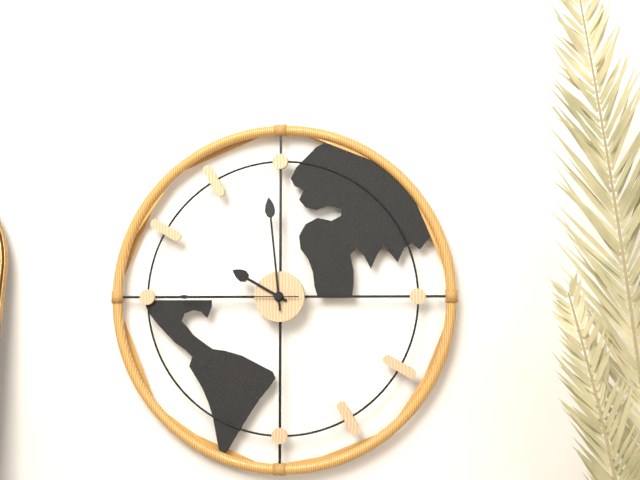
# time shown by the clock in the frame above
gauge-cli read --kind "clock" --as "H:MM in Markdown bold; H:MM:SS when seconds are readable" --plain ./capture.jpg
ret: **9:59:45**
